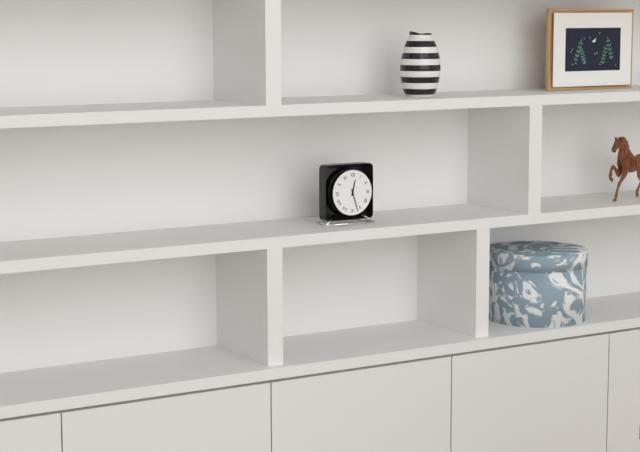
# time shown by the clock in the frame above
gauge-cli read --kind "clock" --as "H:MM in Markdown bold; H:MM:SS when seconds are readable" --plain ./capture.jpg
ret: **12:27**
